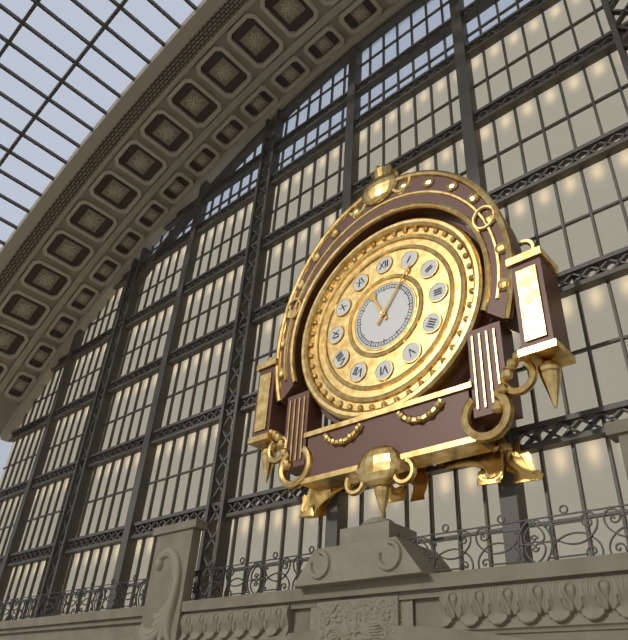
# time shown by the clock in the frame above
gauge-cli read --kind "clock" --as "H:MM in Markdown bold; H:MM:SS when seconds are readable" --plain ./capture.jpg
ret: **11:06**
